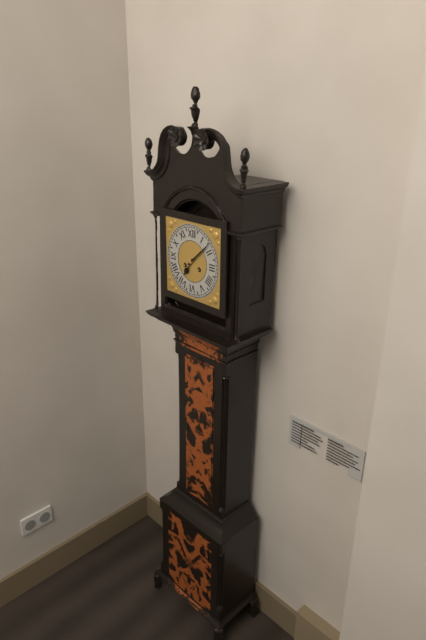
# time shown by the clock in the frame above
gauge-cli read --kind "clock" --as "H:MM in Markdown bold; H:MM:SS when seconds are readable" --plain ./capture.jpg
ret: **7:08**
